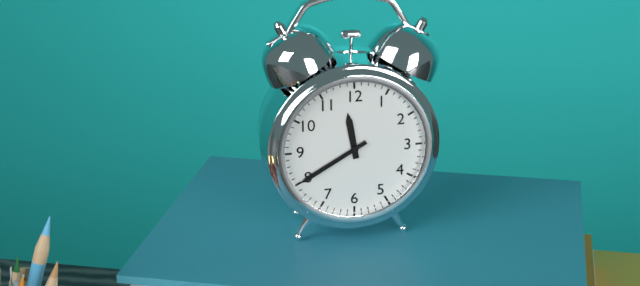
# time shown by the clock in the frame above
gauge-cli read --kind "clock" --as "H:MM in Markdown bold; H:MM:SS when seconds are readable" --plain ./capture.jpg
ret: **11:40**
